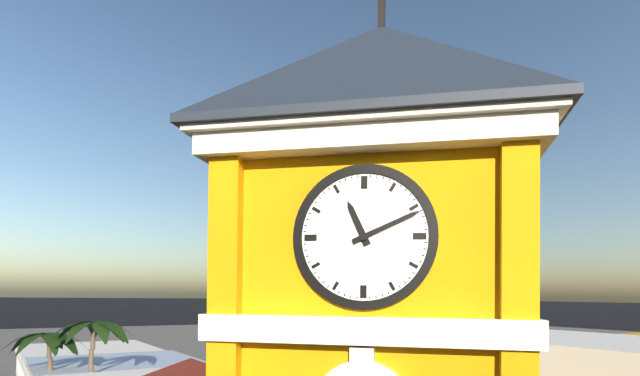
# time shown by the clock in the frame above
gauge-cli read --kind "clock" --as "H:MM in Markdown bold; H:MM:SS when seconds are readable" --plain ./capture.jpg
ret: **11:11**
